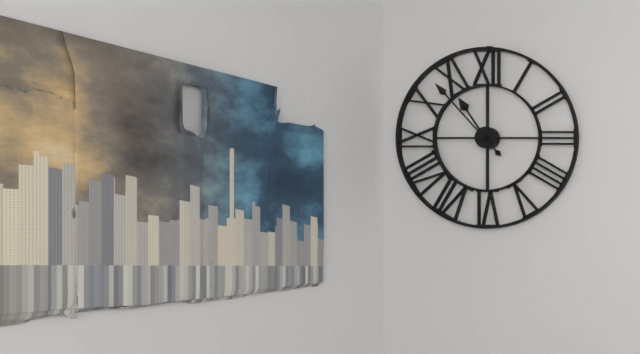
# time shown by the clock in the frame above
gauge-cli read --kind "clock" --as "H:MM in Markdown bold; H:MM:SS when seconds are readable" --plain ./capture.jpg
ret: **10:53**
